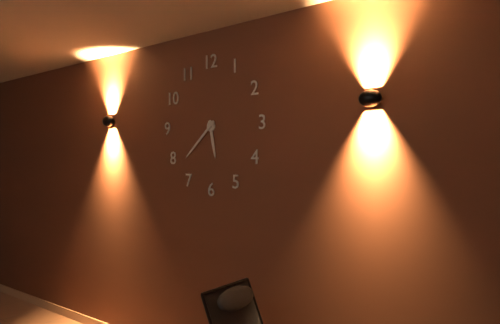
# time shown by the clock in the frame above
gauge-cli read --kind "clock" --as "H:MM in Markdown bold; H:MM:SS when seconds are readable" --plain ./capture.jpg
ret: **5:38**
